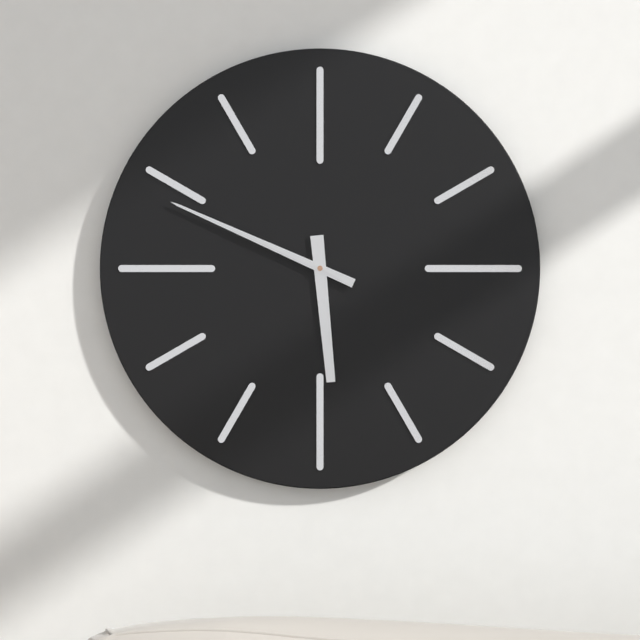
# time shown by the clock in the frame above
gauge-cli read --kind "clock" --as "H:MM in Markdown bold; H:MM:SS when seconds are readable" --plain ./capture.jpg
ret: **5:49:49**
